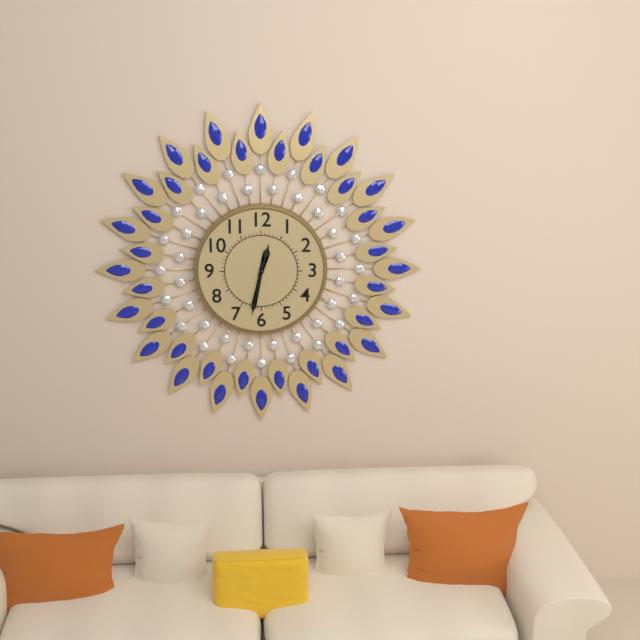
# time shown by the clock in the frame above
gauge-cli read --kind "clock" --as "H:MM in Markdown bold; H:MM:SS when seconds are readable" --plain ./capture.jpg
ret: **12:32**
